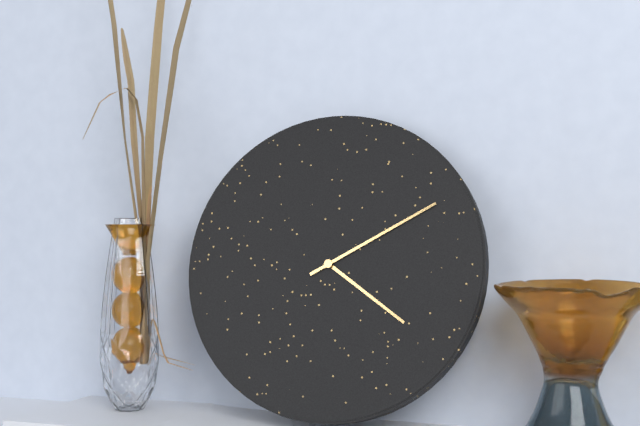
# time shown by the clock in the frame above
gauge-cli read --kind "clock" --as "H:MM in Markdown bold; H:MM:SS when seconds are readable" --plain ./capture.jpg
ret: **4:10**
